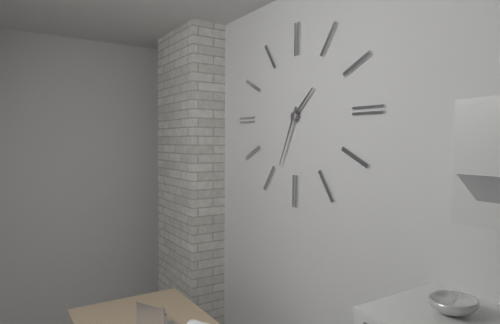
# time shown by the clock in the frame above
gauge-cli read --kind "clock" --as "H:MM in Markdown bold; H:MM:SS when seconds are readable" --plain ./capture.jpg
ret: **1:34**
